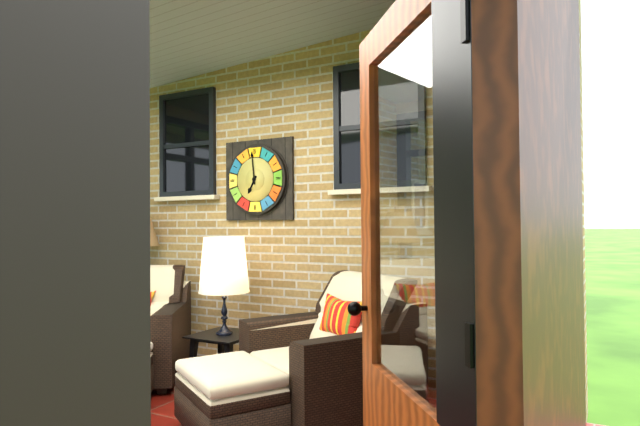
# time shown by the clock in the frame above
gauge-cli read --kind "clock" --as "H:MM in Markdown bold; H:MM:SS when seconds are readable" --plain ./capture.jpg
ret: **6:59**
